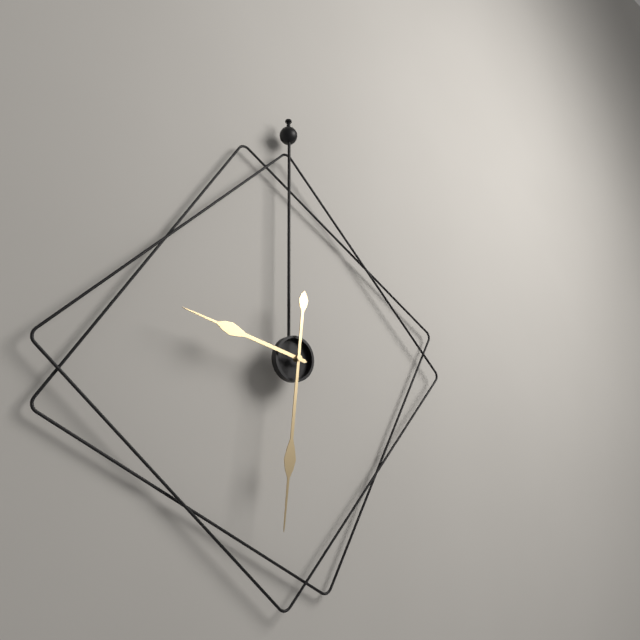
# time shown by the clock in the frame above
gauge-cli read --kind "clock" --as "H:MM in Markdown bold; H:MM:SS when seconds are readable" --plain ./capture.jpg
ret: **9:31**
